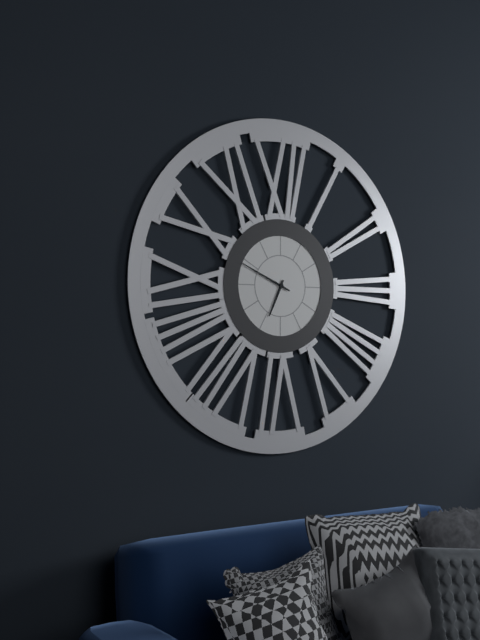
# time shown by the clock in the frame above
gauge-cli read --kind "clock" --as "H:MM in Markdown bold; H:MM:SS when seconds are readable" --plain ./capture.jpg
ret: **6:49**
